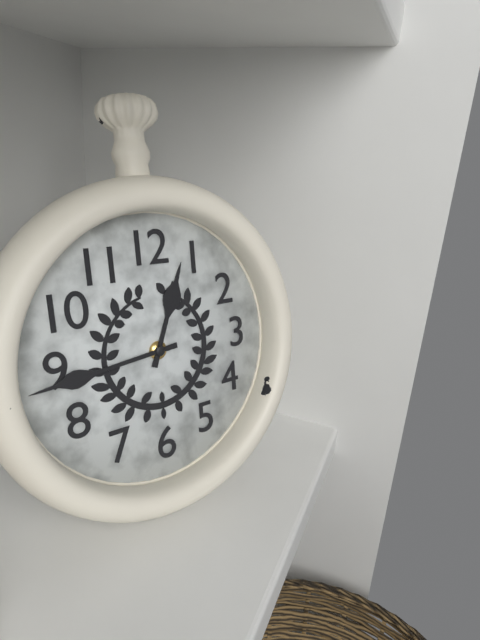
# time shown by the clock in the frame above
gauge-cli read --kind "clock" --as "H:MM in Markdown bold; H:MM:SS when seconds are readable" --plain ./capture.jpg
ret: **12:44**
